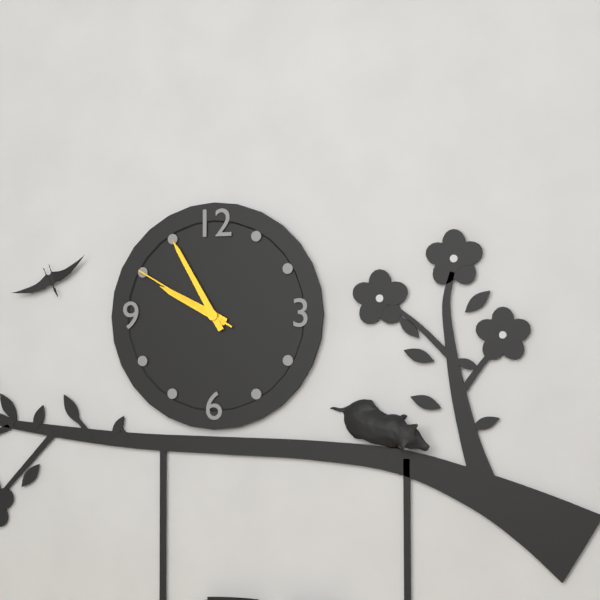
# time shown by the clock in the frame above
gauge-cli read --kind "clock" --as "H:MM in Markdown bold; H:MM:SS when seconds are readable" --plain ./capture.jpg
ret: **9:55:50**
